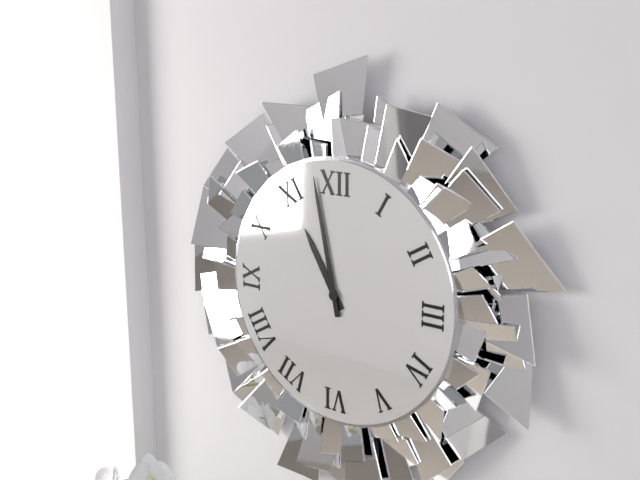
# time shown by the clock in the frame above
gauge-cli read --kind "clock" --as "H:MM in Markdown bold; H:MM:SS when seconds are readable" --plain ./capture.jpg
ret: **10:58**
